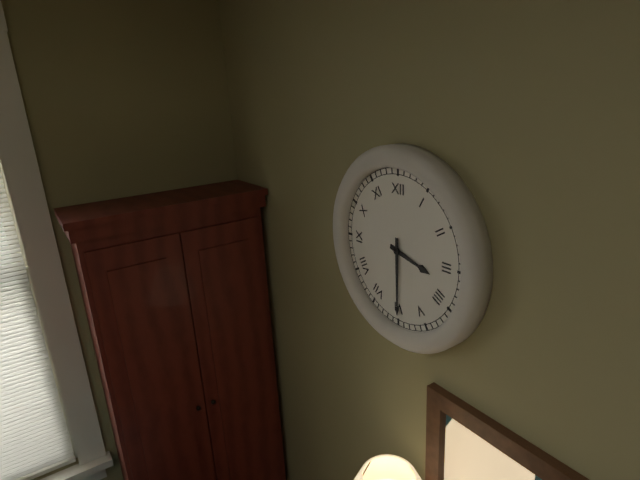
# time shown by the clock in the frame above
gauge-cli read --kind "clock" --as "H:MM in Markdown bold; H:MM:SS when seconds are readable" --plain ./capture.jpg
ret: **3:30**
